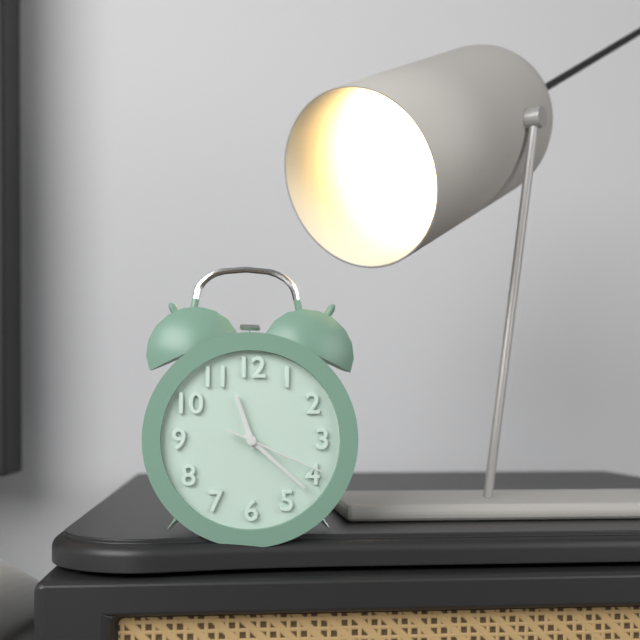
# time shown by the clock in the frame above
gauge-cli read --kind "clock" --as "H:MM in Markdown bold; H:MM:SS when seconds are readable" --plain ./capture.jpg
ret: **11:22:19**
